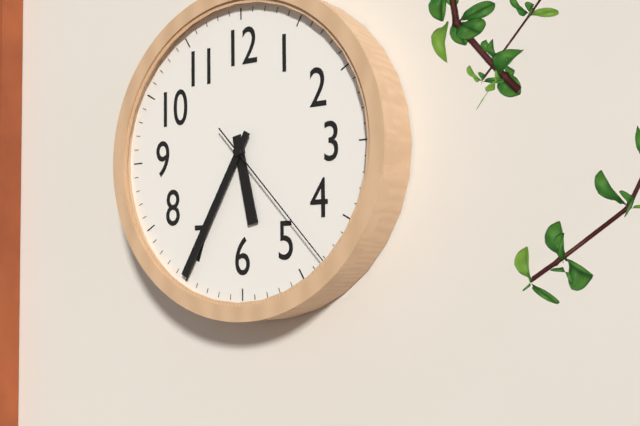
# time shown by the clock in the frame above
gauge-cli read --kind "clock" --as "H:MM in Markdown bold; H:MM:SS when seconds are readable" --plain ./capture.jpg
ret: **5:35:23**
